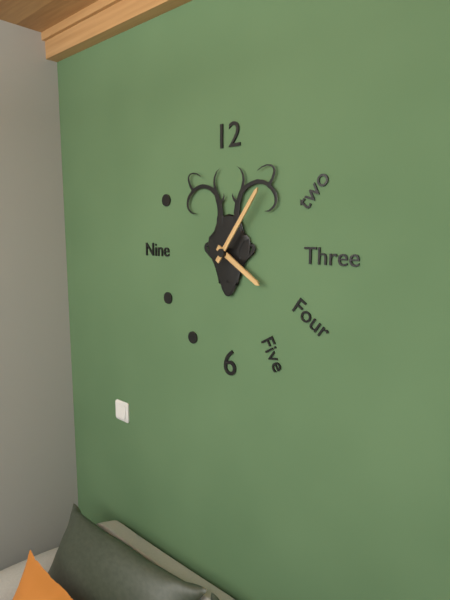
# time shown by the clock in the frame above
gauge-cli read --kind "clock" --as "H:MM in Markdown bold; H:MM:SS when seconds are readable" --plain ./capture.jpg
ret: **4:06**
